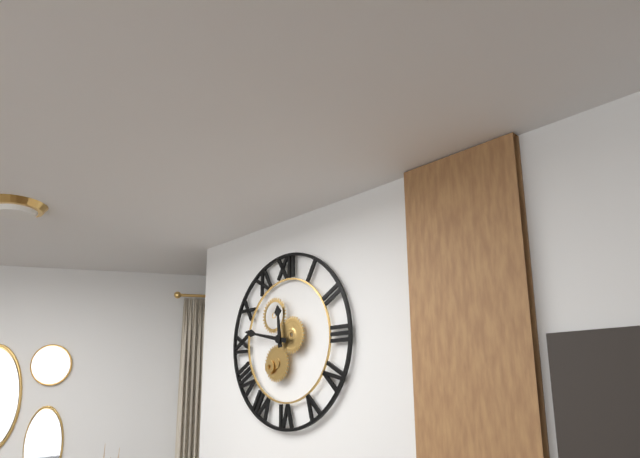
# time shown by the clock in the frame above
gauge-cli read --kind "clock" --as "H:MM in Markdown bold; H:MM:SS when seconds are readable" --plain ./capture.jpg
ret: **11:47**
